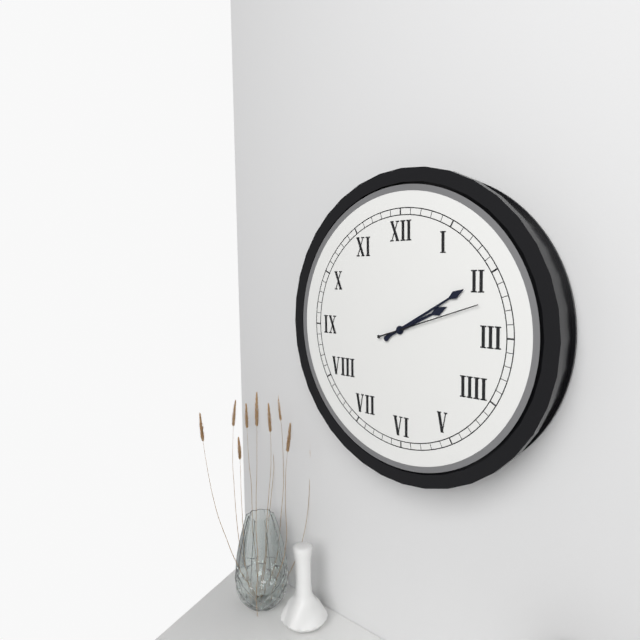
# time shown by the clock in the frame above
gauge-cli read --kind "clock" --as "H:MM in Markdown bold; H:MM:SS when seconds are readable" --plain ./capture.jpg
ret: **2:10:12**
